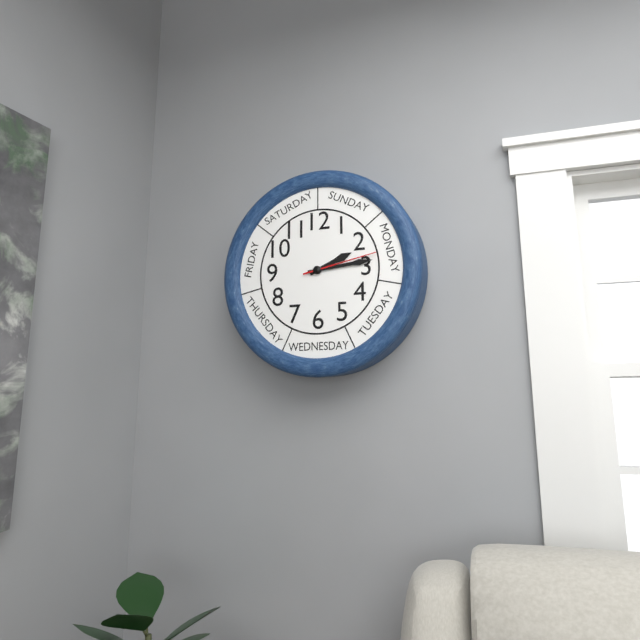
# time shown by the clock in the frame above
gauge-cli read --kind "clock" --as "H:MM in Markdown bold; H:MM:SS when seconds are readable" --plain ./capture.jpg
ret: **2:14:13**
